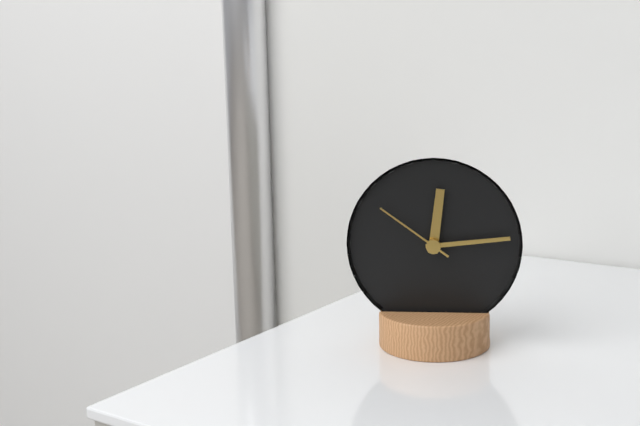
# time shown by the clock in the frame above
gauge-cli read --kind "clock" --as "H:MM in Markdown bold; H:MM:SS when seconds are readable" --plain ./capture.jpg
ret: **12:14:51**
